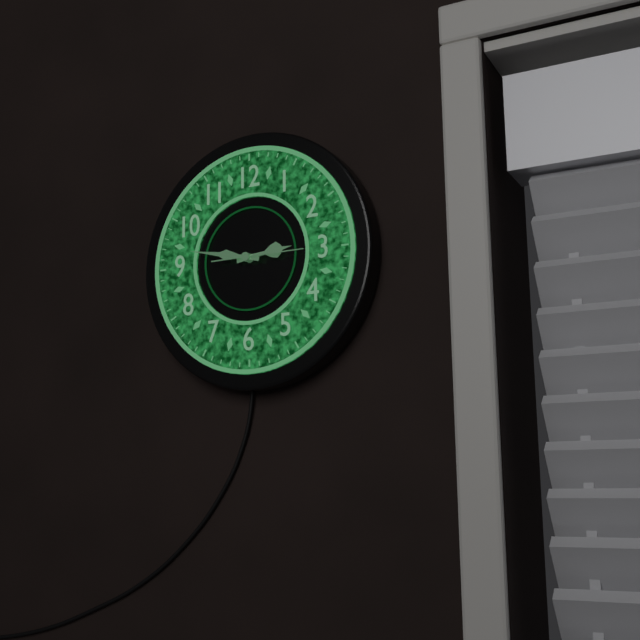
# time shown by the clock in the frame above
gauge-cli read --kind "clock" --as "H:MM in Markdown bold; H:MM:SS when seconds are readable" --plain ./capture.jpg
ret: **2:47:15**
